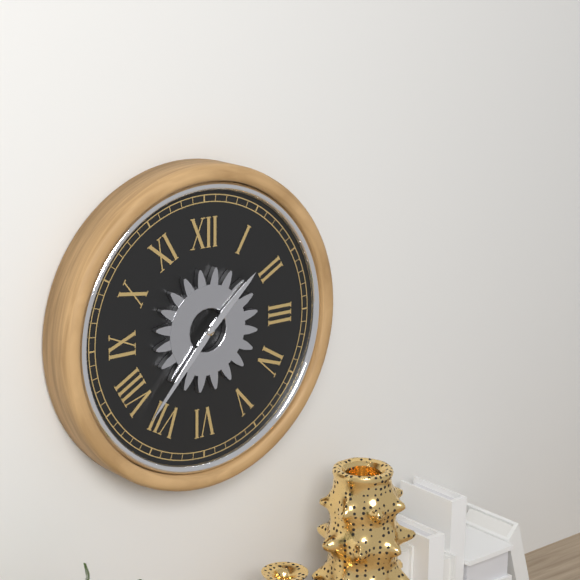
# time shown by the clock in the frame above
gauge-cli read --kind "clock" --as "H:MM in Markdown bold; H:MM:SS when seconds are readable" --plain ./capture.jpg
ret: **1:37**
